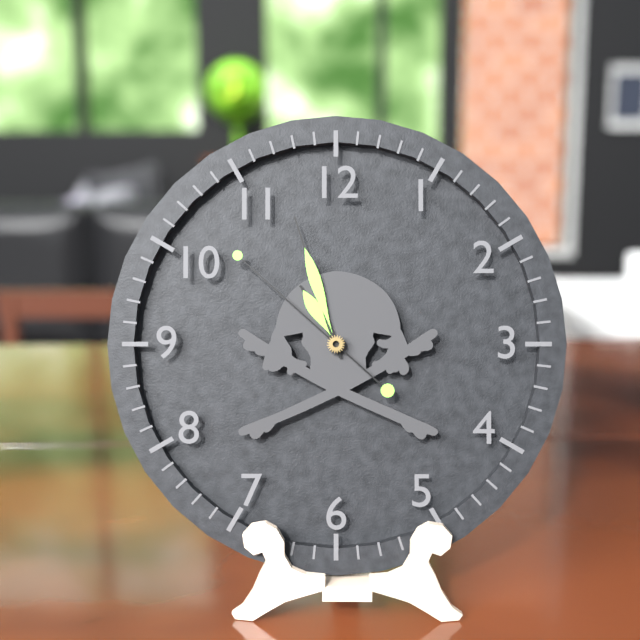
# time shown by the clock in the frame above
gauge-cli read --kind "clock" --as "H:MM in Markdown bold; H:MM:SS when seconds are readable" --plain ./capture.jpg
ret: **10:57:52**
